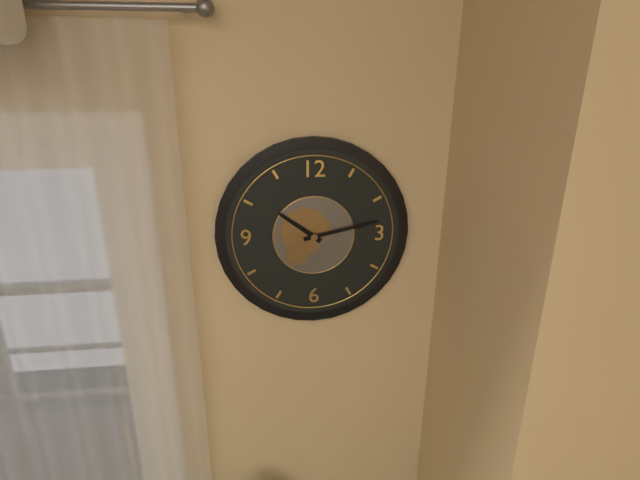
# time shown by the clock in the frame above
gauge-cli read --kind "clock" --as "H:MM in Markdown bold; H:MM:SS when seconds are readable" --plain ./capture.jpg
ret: **10:13**
